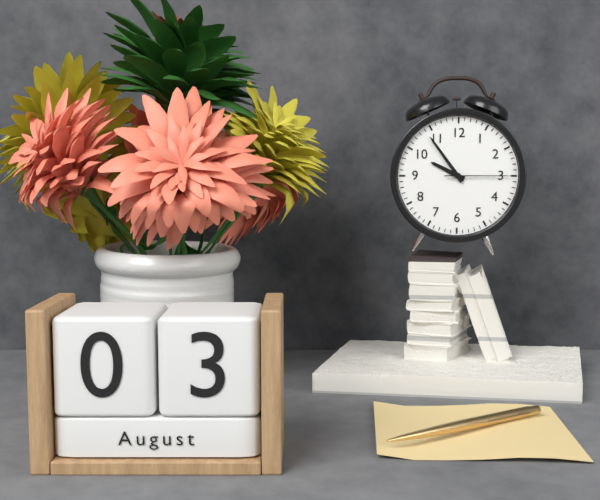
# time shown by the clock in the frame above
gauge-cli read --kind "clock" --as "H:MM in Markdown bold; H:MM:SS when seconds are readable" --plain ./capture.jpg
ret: **9:54:15**
